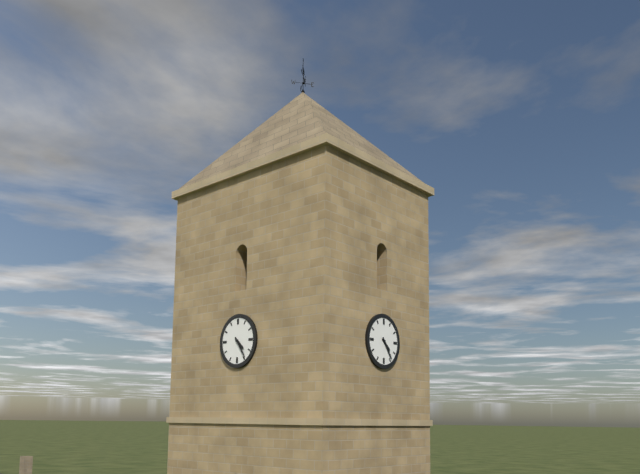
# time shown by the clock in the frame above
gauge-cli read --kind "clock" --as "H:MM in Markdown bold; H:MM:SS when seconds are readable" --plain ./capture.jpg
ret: **4:24**
